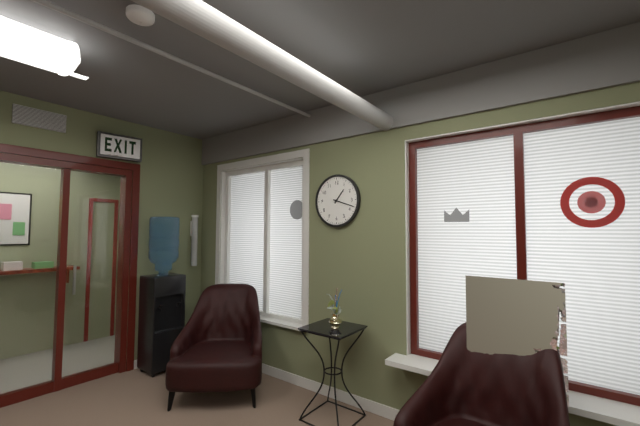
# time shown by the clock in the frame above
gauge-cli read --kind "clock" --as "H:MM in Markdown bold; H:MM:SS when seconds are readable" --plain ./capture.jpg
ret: **1:18**
